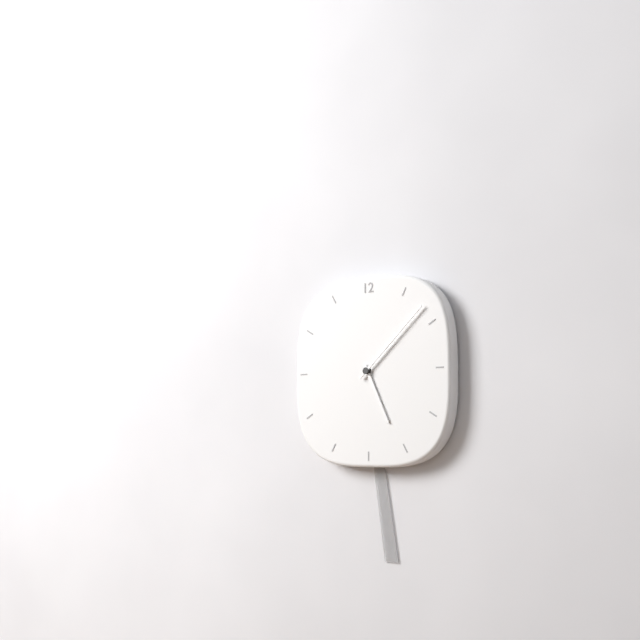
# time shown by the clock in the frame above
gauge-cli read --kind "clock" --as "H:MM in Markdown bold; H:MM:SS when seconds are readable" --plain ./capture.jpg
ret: **5:08**
